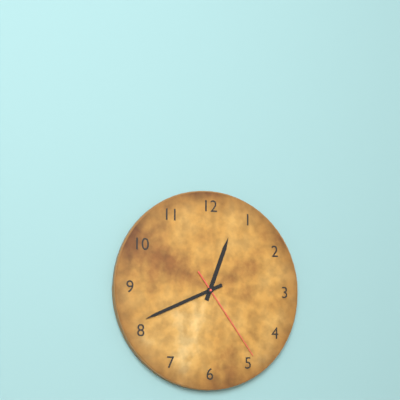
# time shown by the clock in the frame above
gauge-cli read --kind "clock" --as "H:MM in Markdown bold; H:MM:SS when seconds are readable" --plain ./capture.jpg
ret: **12:41:24**
